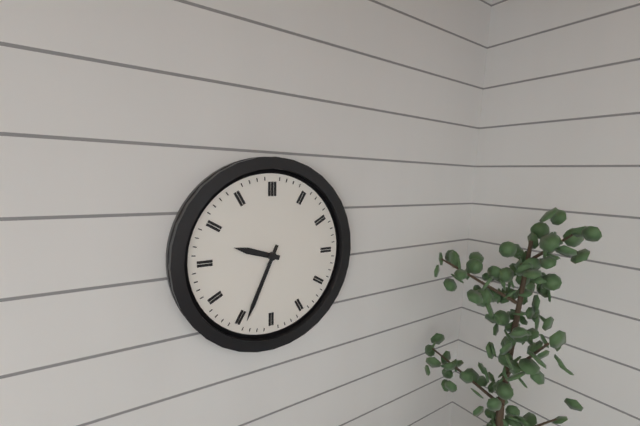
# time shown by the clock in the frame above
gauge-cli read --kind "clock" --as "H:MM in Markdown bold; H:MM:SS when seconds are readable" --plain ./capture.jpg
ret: **9:34**
